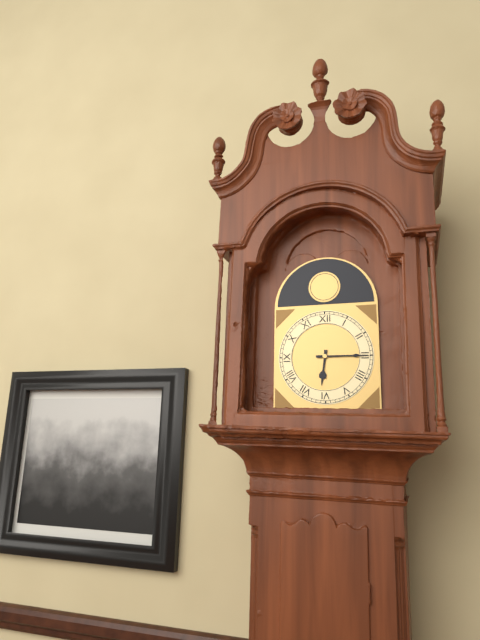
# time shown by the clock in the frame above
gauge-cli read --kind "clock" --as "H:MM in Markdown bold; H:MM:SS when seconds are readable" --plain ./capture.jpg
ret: **6:15**
